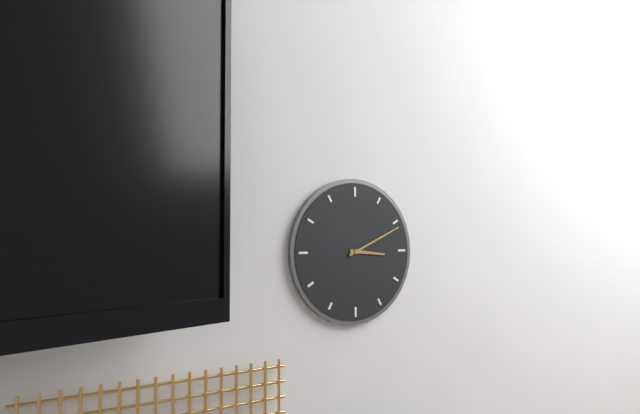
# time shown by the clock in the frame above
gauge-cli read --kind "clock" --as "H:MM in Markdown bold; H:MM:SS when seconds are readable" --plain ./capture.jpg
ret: **3:11**
